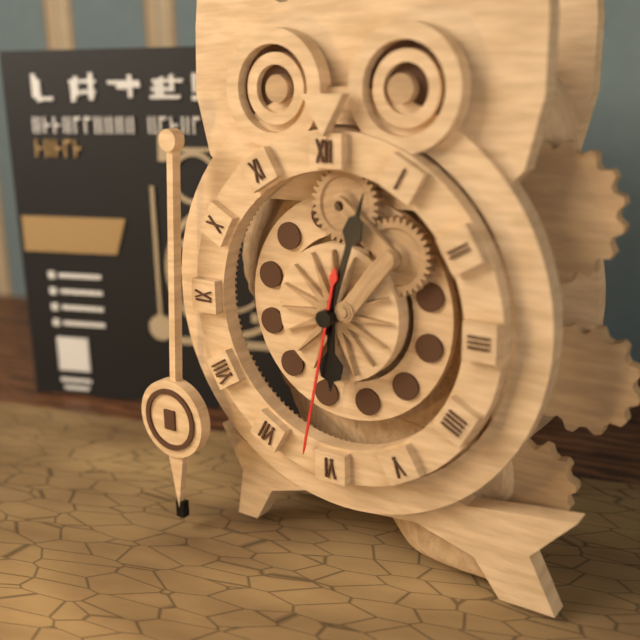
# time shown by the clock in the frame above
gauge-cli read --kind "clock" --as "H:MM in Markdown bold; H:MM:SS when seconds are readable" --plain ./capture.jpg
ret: **6:03:32**
